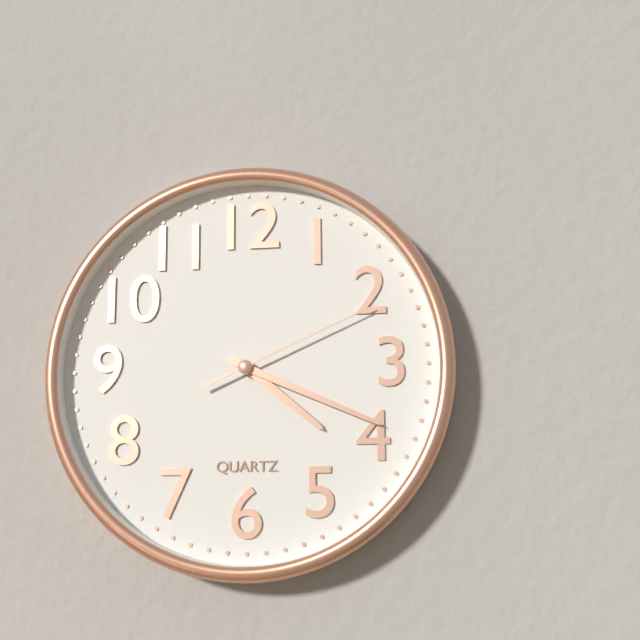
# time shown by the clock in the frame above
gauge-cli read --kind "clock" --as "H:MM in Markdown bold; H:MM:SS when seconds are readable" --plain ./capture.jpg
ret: **4:19:11**
